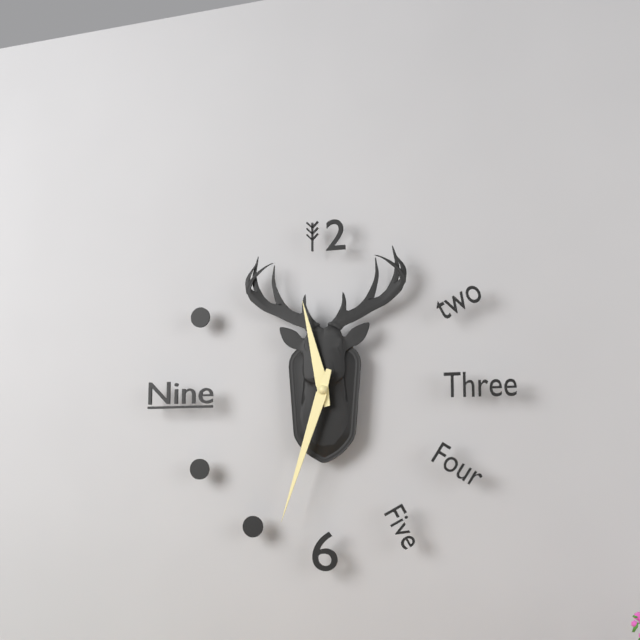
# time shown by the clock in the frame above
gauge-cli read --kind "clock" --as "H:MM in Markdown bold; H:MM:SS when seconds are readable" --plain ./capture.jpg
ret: **11:33**
